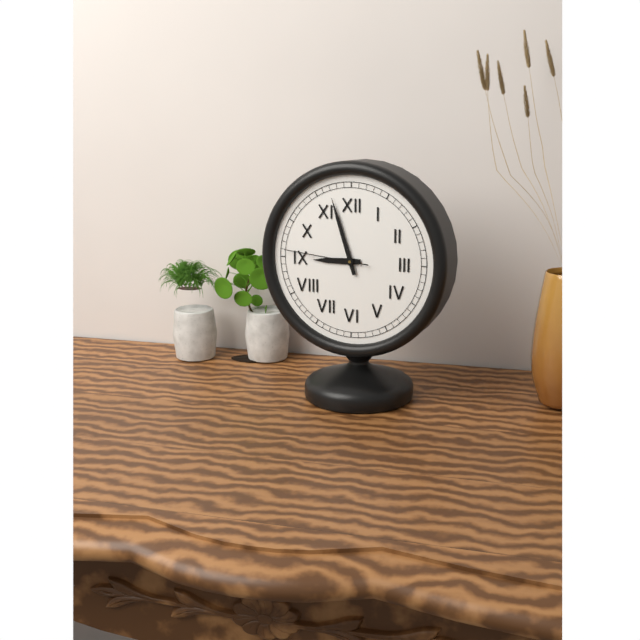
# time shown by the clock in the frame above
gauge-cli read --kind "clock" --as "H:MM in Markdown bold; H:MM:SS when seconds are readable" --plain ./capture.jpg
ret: **8:57:46**
